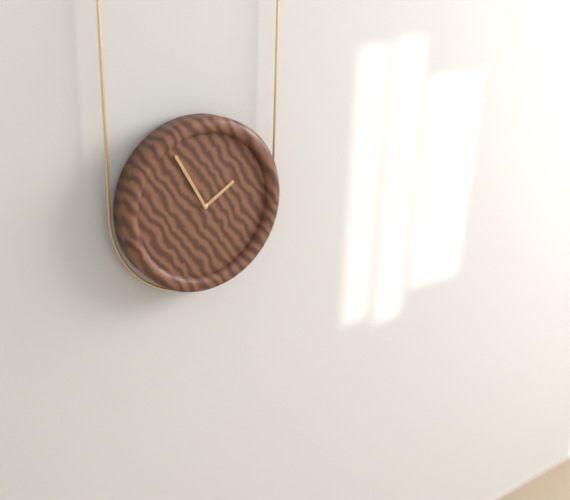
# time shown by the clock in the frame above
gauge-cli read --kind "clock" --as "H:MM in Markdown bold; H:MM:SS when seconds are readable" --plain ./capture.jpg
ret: **1:55**
